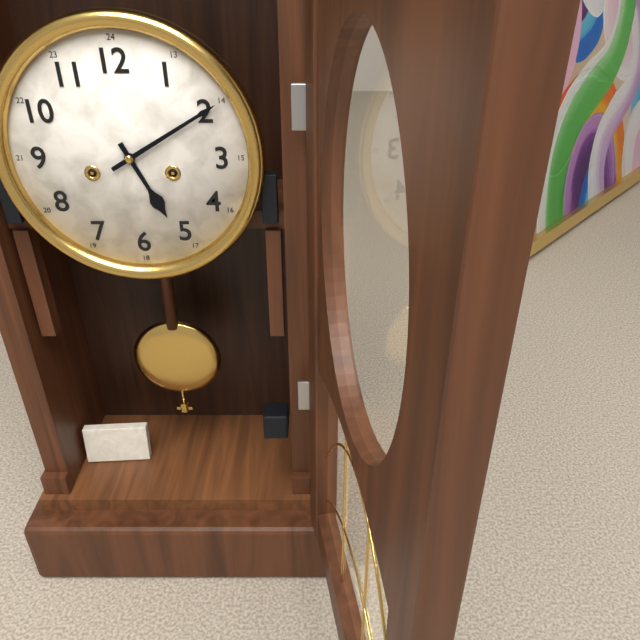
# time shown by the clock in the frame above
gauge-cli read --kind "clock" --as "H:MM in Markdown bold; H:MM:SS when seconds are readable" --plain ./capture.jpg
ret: **5:10**
